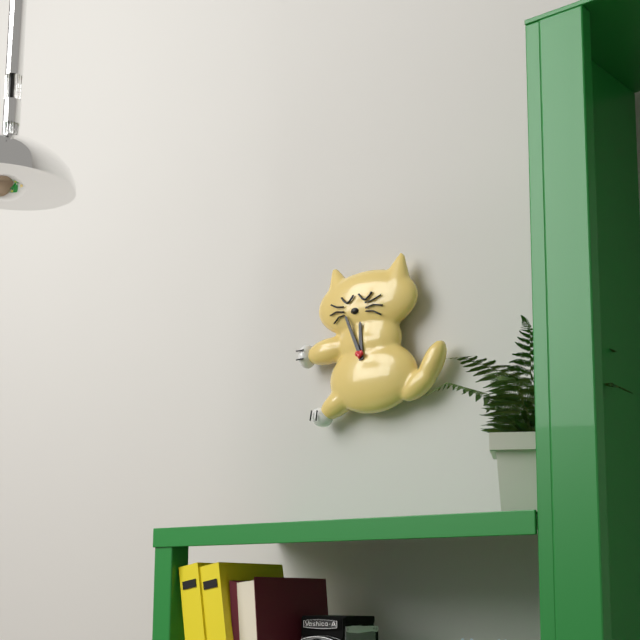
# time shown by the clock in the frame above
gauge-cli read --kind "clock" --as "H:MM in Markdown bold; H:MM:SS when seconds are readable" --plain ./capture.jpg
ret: **11:56**
